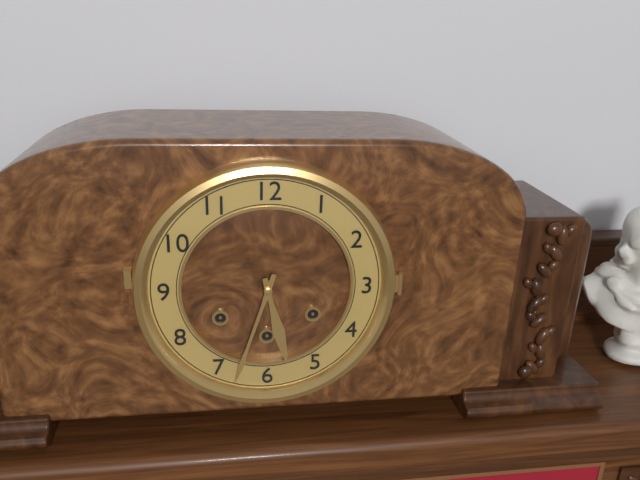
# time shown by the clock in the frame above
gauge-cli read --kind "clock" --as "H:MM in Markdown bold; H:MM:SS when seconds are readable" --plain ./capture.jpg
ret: **5:33**
